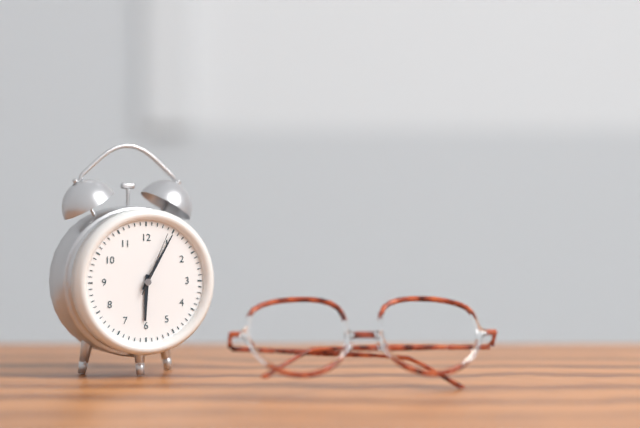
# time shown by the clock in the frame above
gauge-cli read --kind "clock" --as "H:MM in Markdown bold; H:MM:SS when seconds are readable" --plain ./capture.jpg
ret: **6:05:04**
